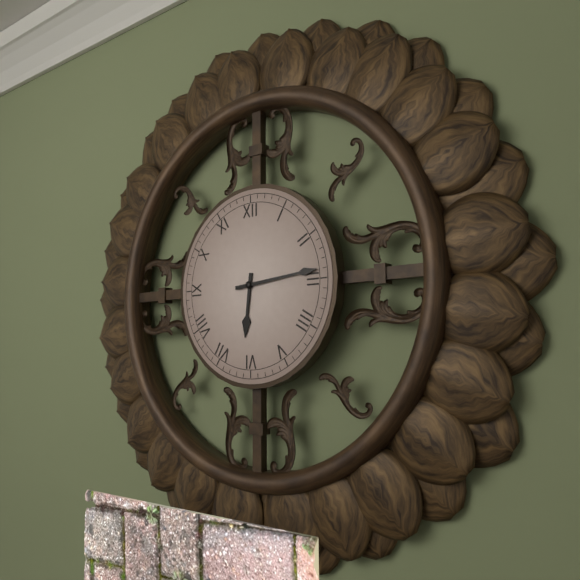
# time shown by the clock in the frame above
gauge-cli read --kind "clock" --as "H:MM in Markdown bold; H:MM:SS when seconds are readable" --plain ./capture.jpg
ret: **6:14**
